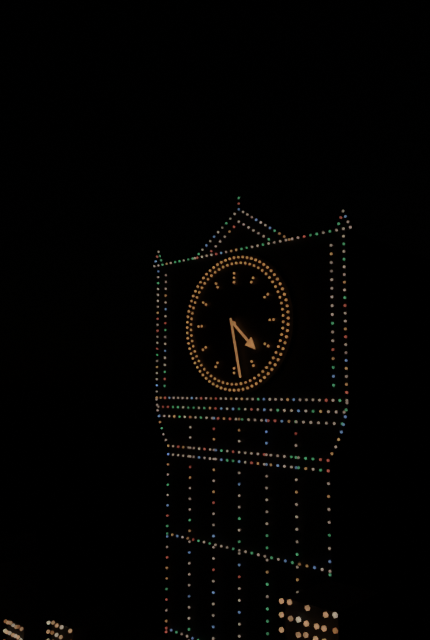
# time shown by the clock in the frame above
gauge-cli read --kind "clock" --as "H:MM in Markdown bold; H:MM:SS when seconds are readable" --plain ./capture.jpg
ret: **4:28**
